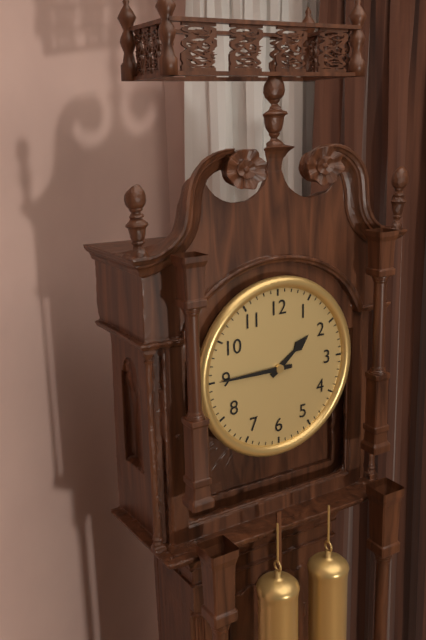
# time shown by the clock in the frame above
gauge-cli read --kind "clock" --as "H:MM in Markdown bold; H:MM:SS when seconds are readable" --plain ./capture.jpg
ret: **1:45**
